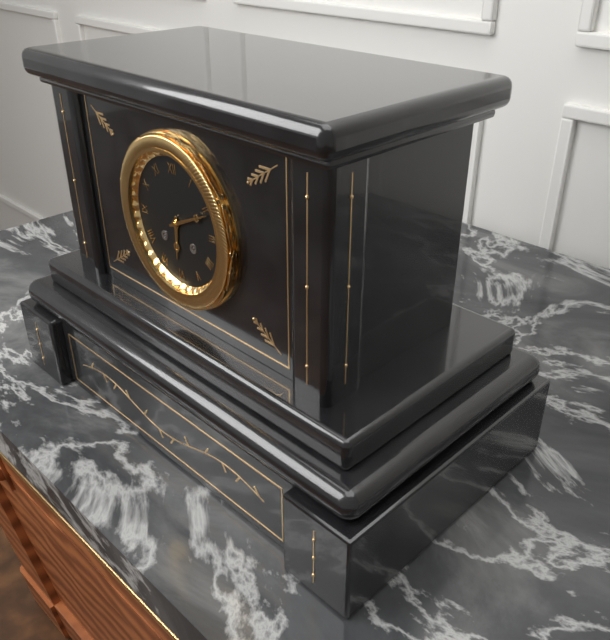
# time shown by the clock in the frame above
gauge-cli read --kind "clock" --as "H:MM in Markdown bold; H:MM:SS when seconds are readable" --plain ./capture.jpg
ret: **6:11**
